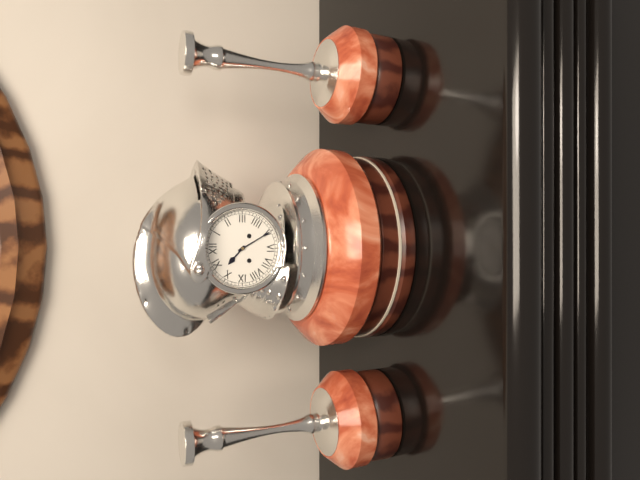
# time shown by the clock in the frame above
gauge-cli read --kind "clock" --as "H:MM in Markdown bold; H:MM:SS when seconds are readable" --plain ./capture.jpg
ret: **10:25**
